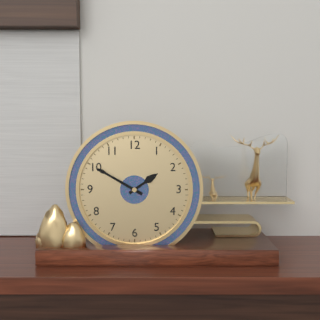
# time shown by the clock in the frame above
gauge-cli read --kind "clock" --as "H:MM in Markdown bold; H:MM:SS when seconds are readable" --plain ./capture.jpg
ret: **1:50**
